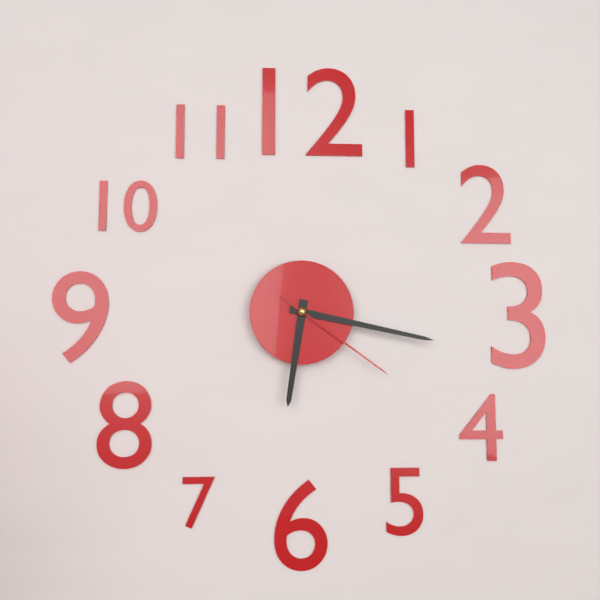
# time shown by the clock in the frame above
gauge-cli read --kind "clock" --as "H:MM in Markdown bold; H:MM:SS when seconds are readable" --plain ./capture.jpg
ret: **6:17:21**
